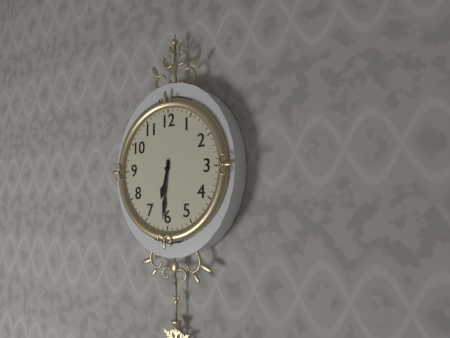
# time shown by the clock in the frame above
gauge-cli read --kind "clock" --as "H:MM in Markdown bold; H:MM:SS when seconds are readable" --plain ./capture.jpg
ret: **6:31**
